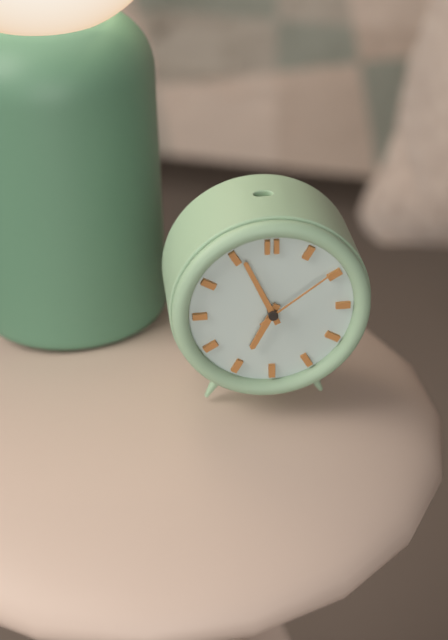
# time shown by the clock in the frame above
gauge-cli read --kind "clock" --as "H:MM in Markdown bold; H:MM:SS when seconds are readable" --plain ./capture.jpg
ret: **6:56:09**
